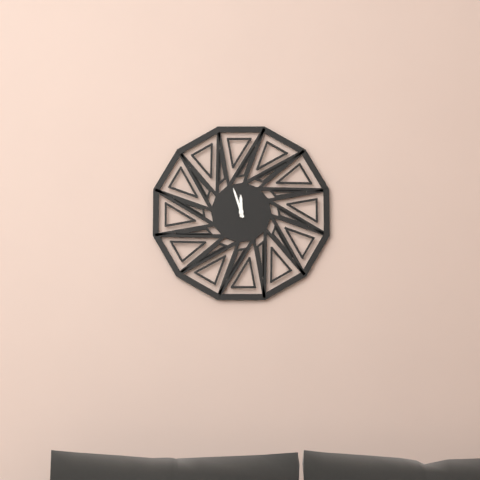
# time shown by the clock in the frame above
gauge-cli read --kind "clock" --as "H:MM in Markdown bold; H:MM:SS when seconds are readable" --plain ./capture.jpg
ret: **11:57**
